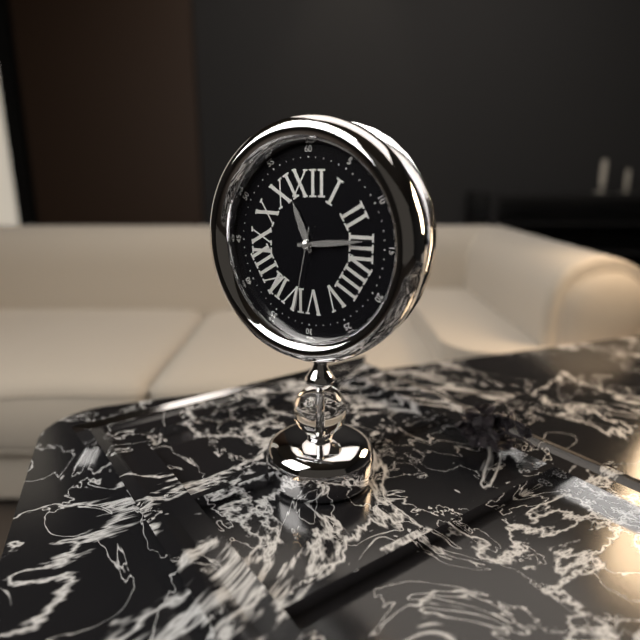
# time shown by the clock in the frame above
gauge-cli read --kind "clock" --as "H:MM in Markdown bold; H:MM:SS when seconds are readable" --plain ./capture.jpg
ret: **11:14:32**
